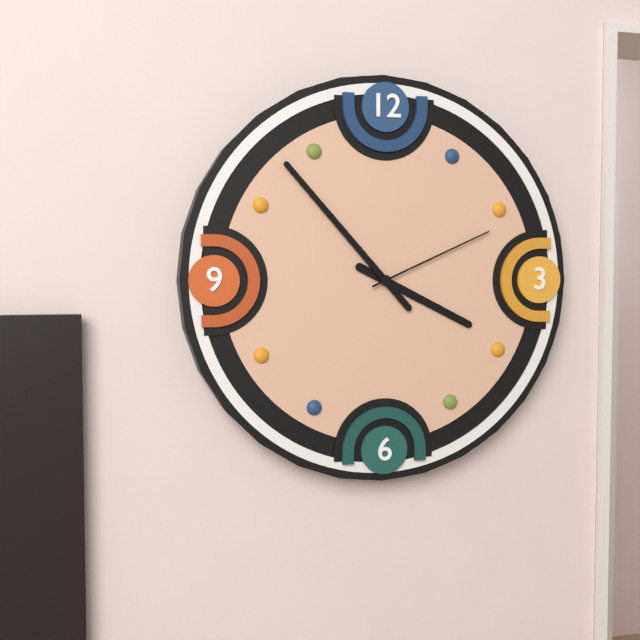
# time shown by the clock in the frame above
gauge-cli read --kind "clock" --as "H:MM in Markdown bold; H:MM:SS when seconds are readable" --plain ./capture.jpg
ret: **3:53:11**
